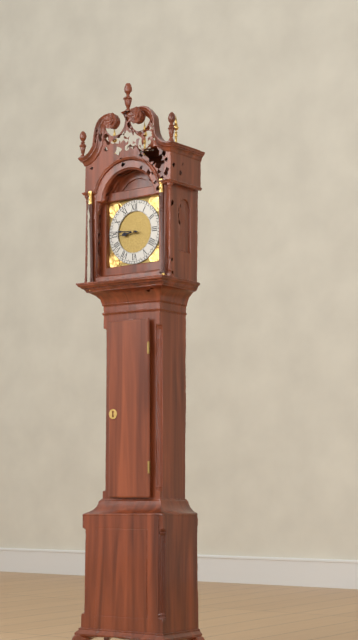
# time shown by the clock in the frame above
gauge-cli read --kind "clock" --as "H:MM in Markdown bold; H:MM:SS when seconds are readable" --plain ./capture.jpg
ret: **8:46**
